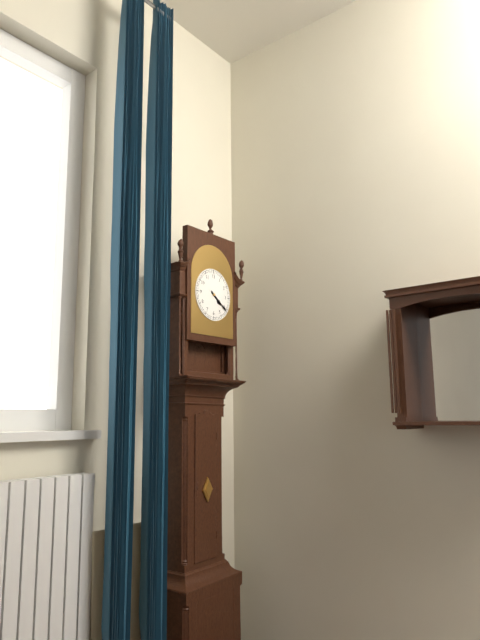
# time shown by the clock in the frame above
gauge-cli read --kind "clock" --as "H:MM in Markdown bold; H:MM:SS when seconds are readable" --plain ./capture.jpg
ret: **4:21**
